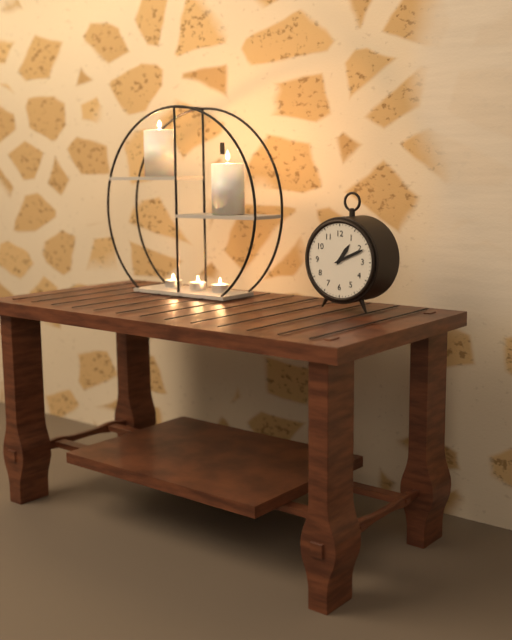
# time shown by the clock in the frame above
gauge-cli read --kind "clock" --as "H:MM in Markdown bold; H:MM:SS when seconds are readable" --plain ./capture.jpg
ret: **1:11**
